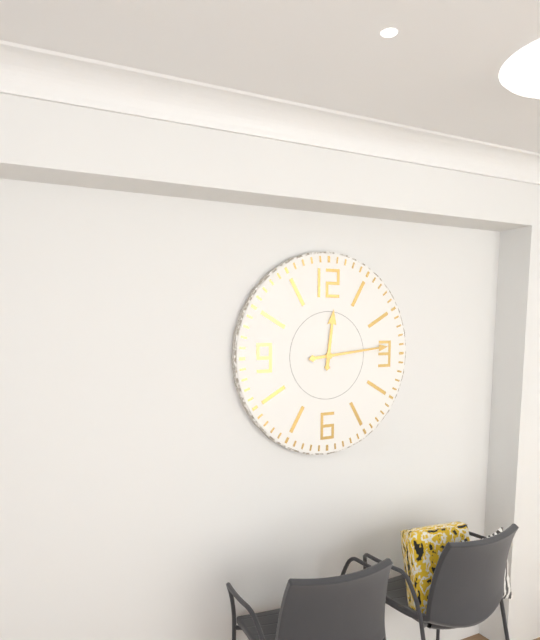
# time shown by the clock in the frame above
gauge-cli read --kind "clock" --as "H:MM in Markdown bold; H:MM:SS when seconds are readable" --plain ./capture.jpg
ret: **12:14**
